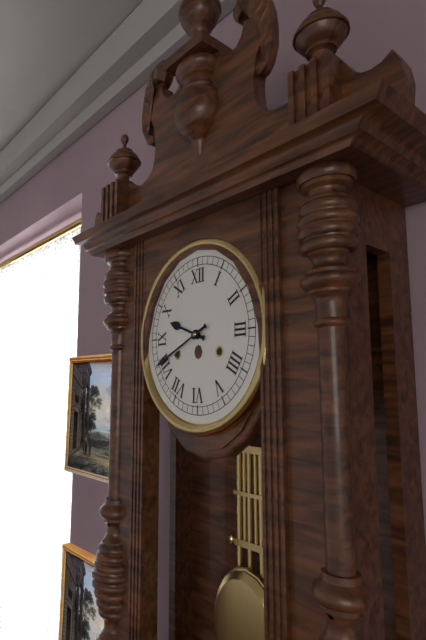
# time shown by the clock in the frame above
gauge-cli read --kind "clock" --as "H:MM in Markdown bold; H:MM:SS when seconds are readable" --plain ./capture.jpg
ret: **9:41**
